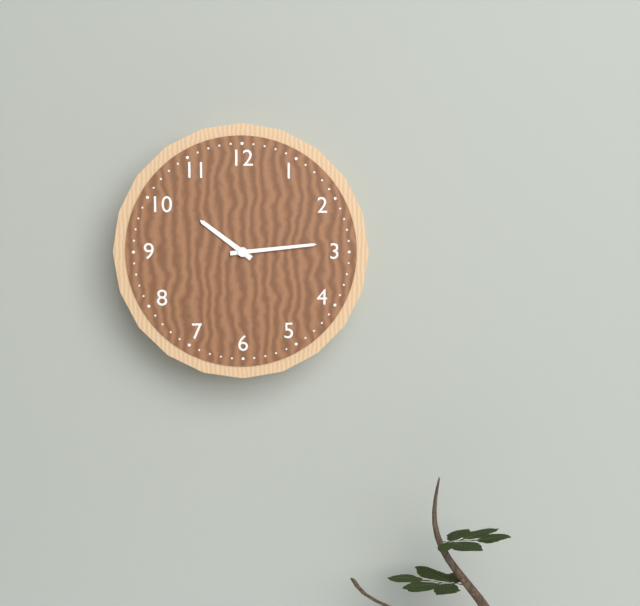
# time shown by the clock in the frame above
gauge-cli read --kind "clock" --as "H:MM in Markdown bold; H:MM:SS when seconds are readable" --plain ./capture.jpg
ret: **10:14**
